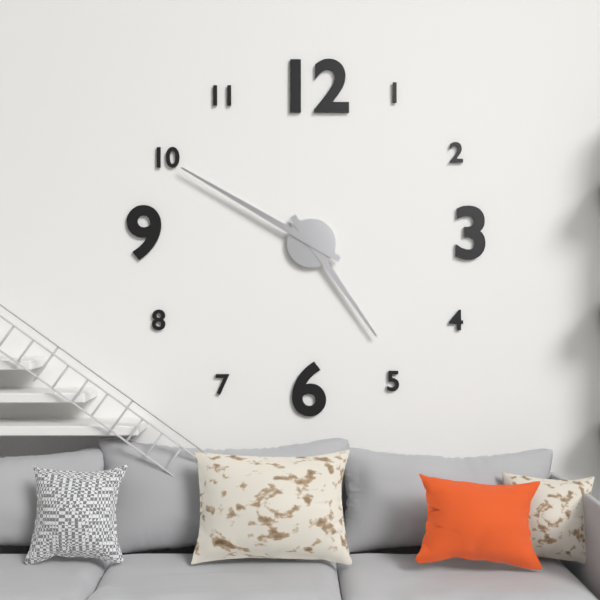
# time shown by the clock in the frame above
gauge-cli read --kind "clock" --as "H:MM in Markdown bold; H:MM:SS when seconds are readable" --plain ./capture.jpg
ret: **4:50**
